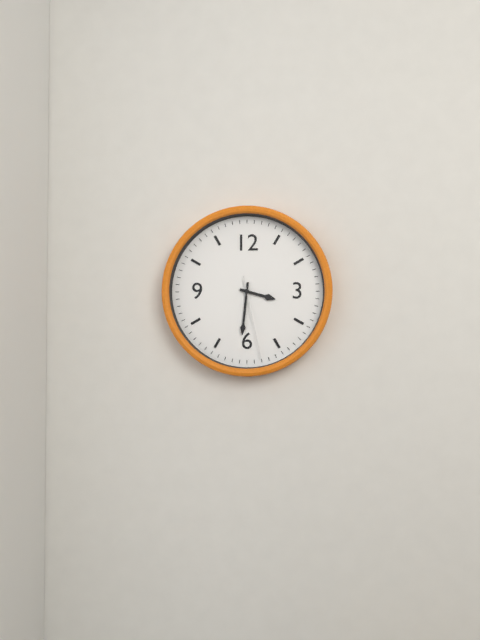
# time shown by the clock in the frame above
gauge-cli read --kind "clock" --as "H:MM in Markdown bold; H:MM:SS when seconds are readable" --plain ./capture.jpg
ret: **3:31:28**
